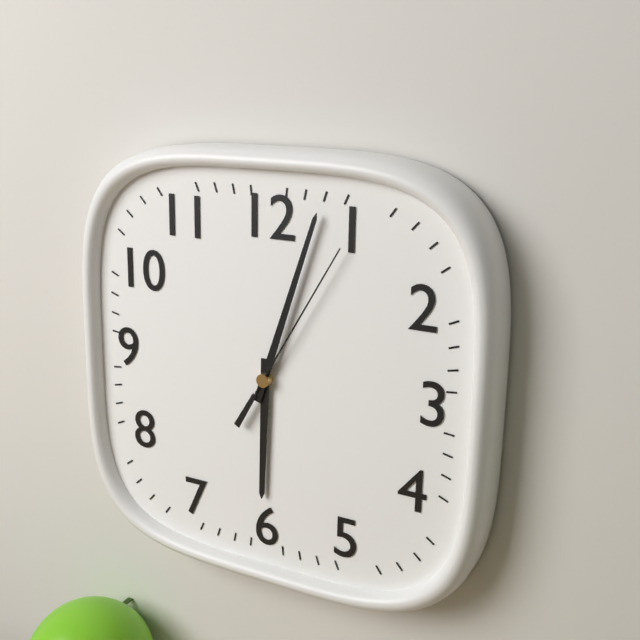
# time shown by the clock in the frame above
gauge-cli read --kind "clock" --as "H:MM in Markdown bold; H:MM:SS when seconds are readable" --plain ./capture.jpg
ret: **6:03:05**
